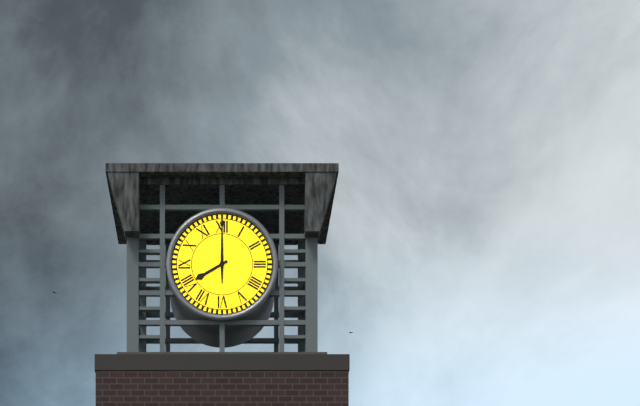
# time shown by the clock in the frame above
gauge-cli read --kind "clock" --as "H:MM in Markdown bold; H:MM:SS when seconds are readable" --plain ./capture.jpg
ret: **8:00**
